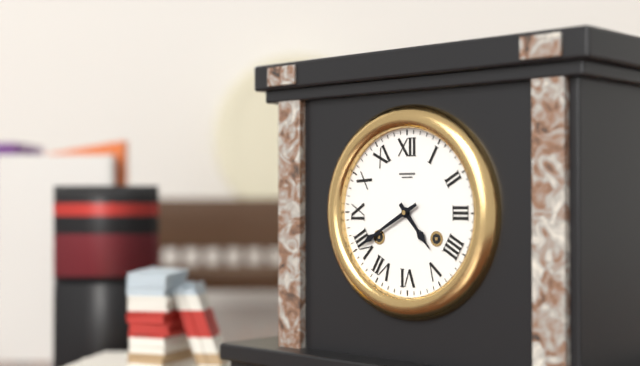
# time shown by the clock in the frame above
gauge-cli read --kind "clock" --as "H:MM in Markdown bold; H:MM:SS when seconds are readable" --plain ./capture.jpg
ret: **4:40**
